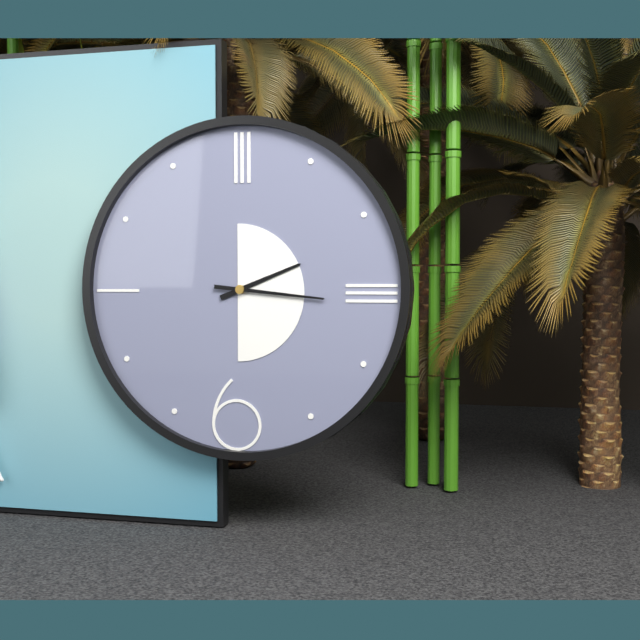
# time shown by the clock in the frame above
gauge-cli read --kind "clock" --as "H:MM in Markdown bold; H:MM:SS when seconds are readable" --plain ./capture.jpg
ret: **2:16**
